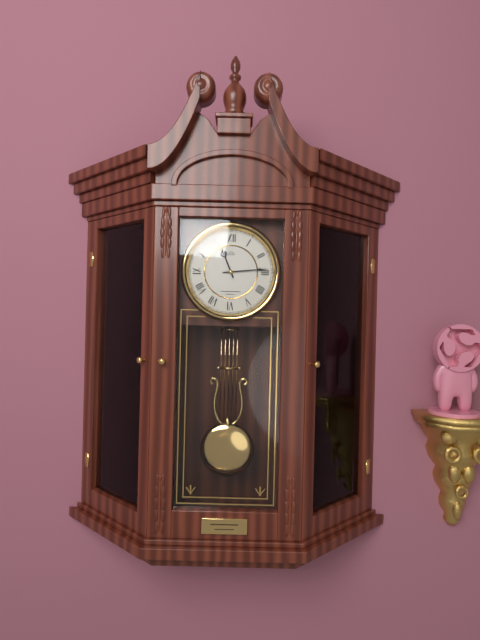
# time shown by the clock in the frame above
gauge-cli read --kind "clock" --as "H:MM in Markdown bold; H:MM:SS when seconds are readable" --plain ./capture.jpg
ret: **11:14**
